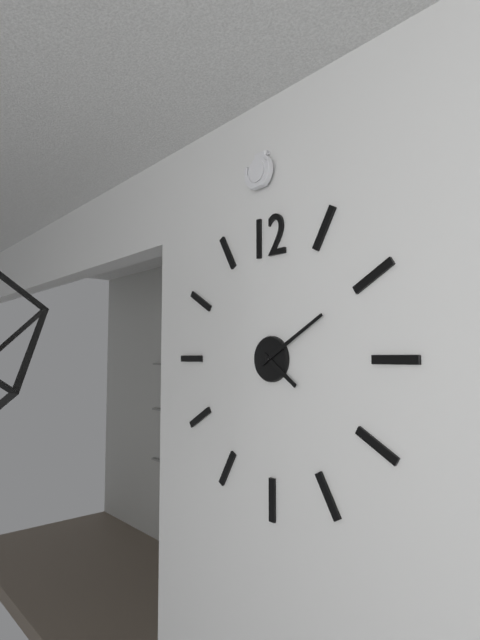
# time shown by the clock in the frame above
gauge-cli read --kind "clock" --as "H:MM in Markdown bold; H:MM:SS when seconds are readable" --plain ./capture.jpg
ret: **4:10**
